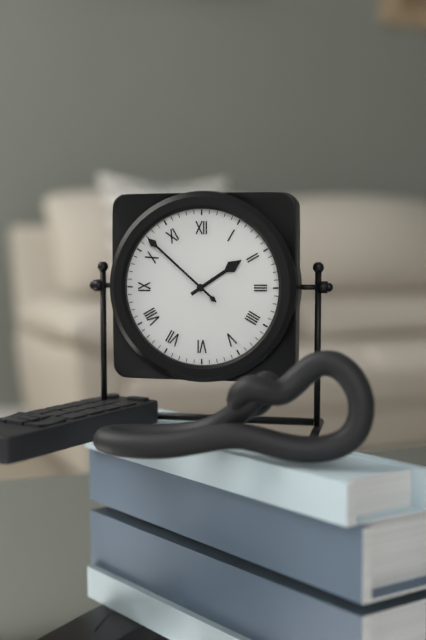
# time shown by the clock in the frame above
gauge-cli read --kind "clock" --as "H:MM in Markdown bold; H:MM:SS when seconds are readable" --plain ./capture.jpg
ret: **1:52**
